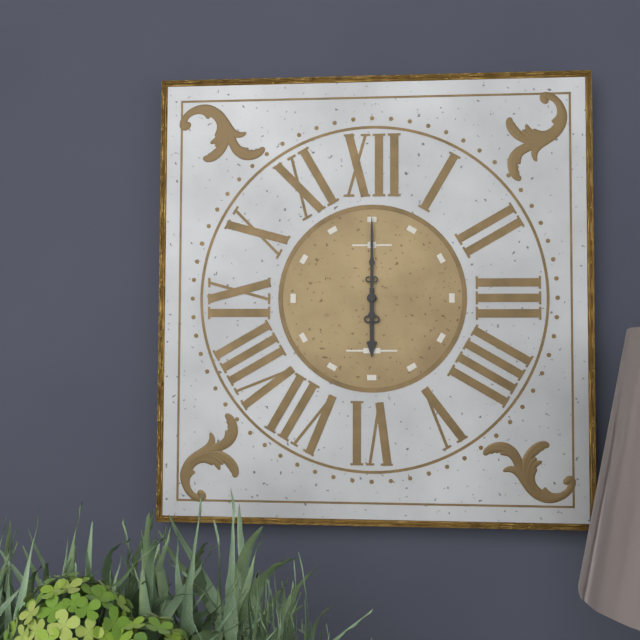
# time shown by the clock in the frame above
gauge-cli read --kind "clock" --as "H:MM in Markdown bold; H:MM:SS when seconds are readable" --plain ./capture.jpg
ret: **6:00**
